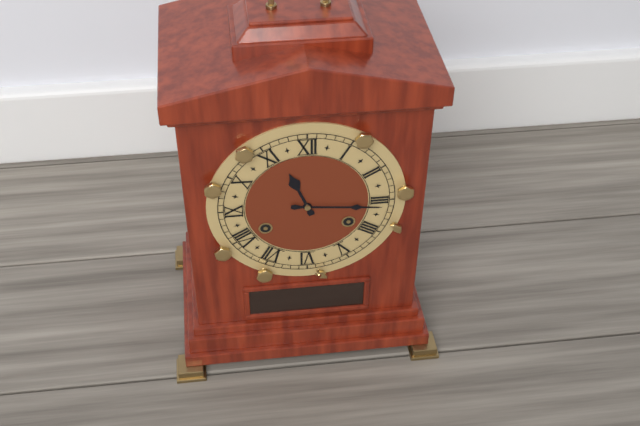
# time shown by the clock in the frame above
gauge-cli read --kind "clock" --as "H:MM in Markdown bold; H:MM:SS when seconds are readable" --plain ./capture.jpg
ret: **11:16**
